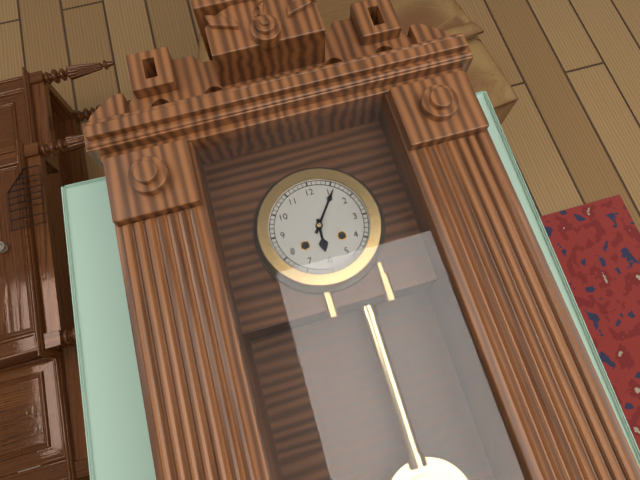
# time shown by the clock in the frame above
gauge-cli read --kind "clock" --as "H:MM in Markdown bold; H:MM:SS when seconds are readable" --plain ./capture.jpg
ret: **6:06**
